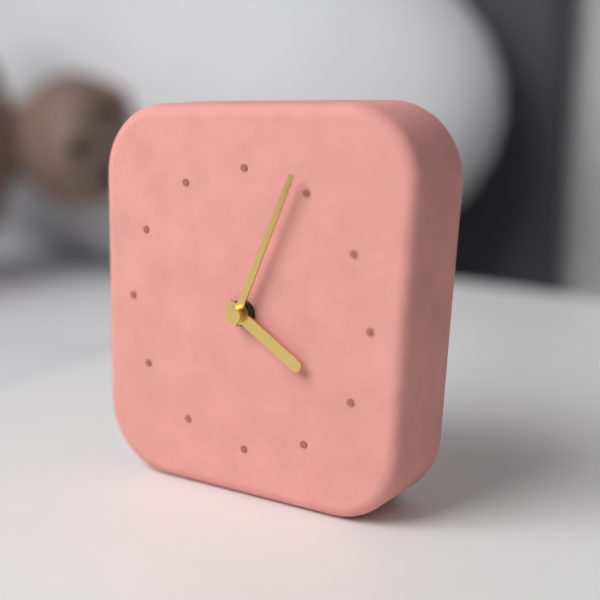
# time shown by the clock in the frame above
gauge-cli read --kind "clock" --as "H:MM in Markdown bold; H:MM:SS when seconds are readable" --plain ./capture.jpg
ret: **4:04**
